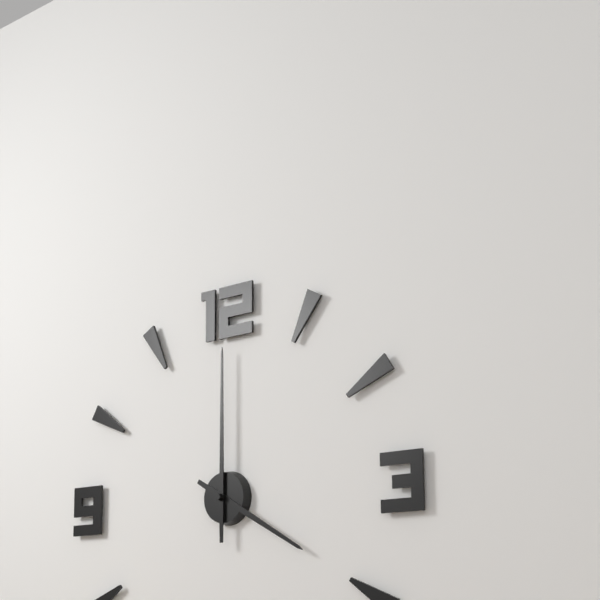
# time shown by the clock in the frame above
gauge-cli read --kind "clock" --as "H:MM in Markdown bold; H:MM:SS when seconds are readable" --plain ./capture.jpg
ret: **4:00**
